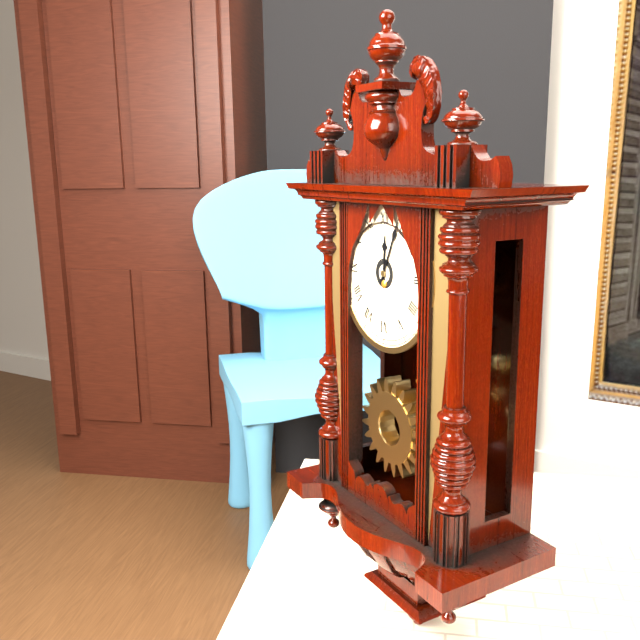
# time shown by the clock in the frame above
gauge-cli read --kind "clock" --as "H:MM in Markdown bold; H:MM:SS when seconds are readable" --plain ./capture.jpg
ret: **12:04**
